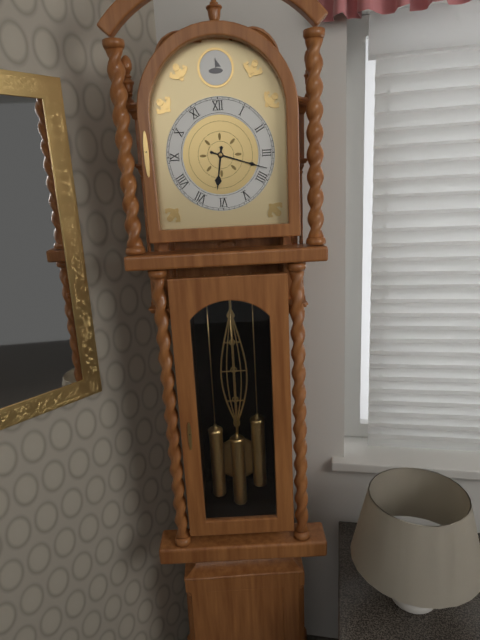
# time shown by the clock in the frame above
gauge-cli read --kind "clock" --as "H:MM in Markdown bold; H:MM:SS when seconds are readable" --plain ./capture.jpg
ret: **6:18**
